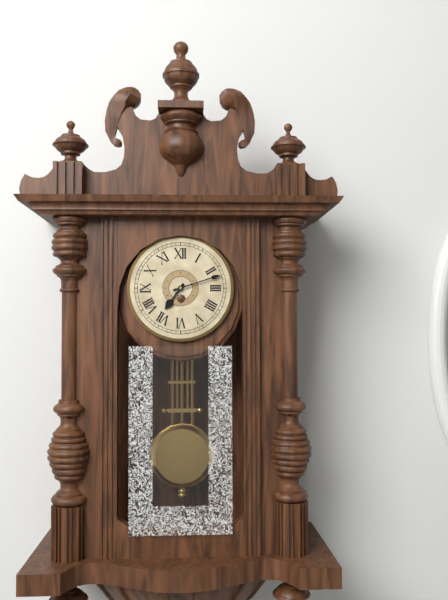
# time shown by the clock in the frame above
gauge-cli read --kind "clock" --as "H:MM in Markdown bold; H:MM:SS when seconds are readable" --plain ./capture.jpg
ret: **7:12**
